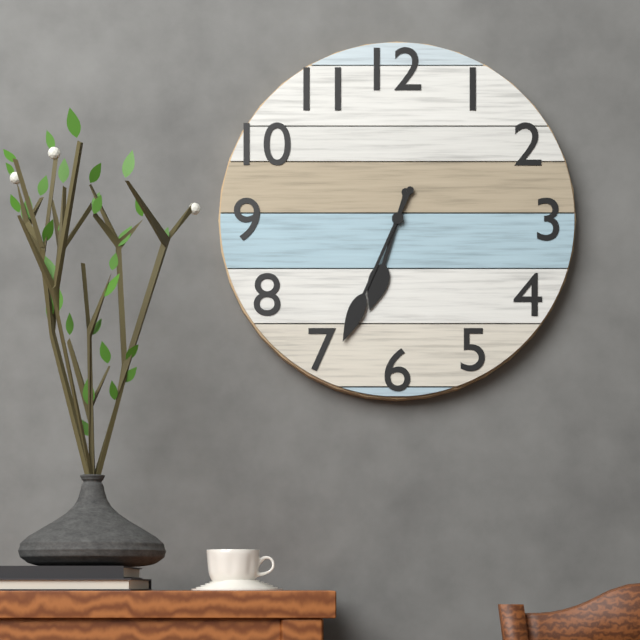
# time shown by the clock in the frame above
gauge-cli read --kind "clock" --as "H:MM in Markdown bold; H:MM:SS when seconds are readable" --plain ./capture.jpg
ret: **6:34**
